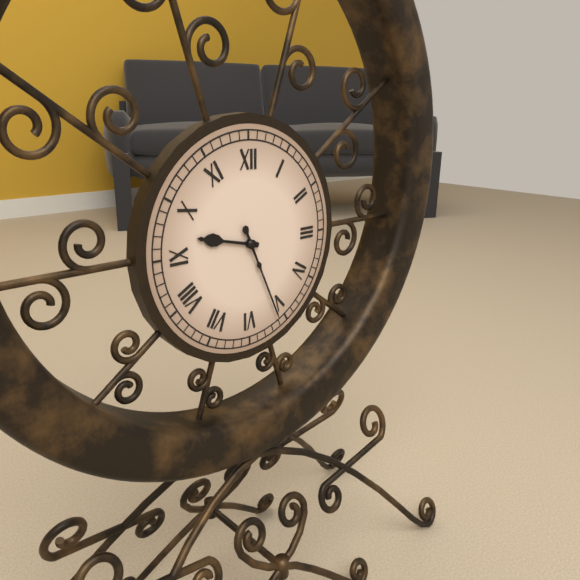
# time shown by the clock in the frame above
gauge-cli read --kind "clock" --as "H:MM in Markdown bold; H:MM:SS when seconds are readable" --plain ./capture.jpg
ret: **9:26**
